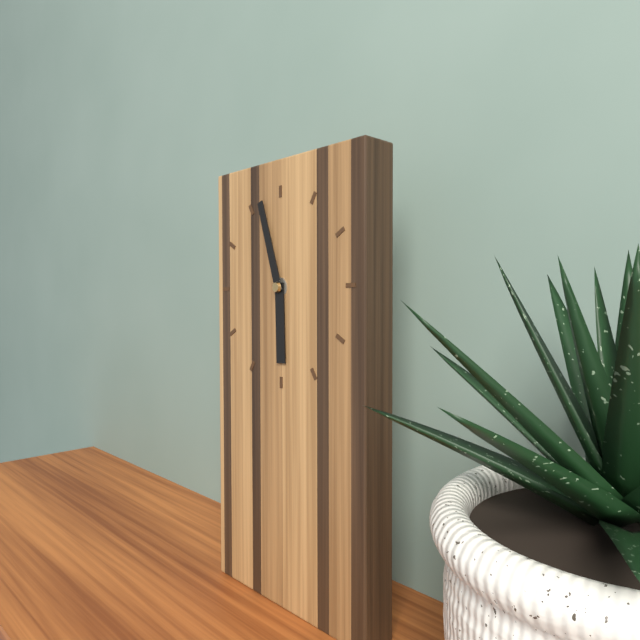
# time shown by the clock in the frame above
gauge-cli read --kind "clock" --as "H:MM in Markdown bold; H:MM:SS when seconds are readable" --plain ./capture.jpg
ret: **5:57**
